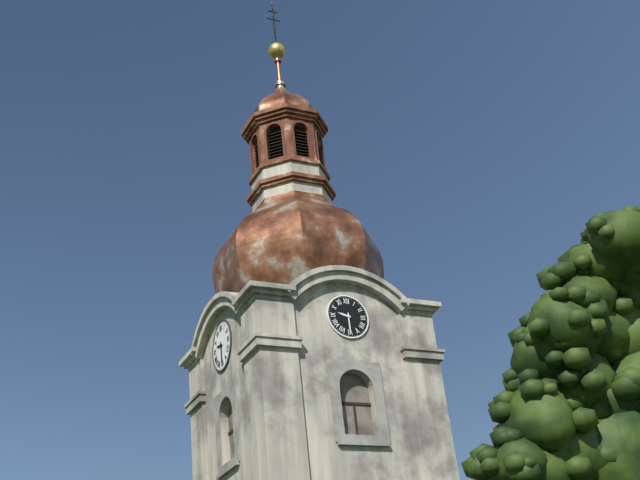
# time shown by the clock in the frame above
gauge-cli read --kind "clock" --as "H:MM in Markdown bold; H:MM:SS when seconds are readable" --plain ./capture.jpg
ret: **9:30**
